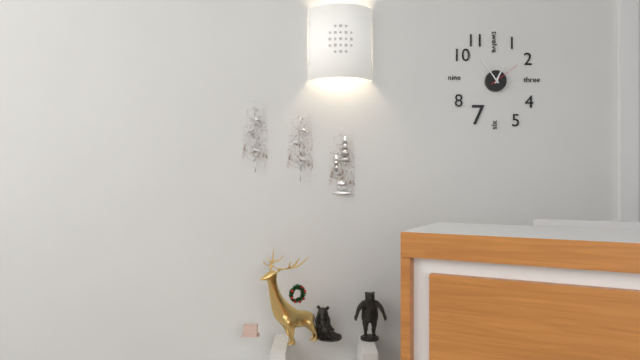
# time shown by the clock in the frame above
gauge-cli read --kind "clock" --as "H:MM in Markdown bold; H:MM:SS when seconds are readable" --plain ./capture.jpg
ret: **12:54**
